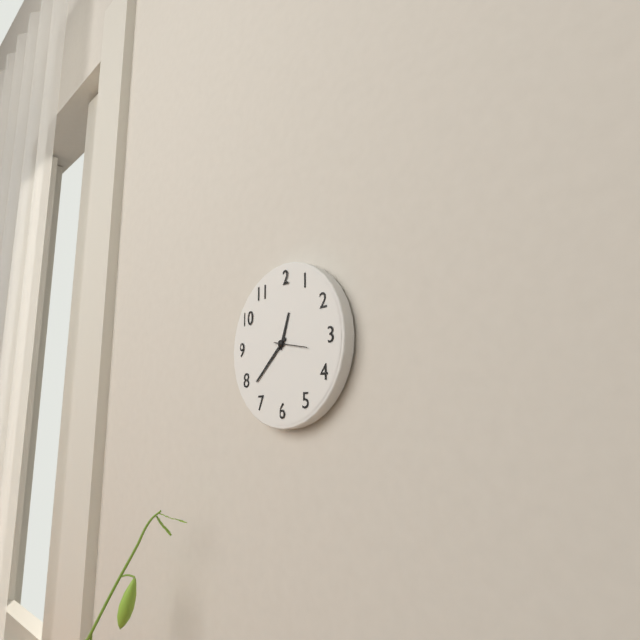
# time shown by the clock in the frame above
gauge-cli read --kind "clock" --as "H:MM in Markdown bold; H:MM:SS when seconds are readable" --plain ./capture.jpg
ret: **12:38**
